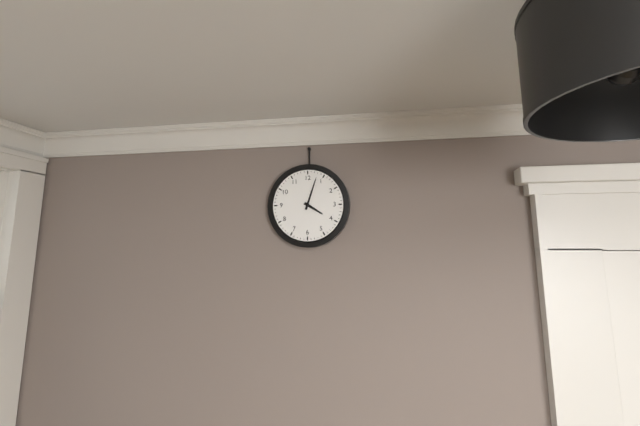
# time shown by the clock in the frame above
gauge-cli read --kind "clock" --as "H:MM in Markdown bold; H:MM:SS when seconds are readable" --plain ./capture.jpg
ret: **4:03**
